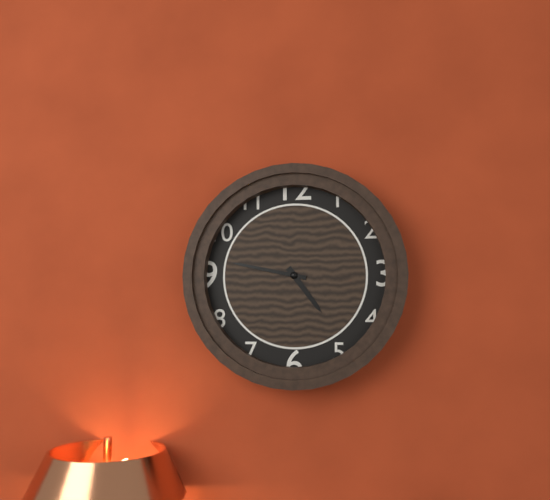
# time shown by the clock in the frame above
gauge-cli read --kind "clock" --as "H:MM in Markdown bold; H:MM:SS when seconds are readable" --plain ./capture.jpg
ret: **4:47**
